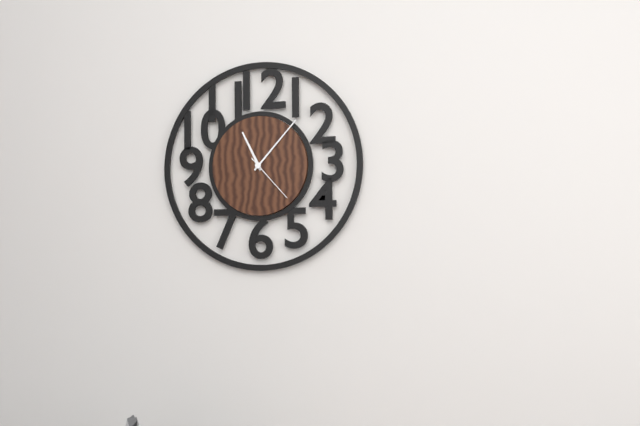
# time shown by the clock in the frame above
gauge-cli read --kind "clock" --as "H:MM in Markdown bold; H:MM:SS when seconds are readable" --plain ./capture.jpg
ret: **11:07:23**
